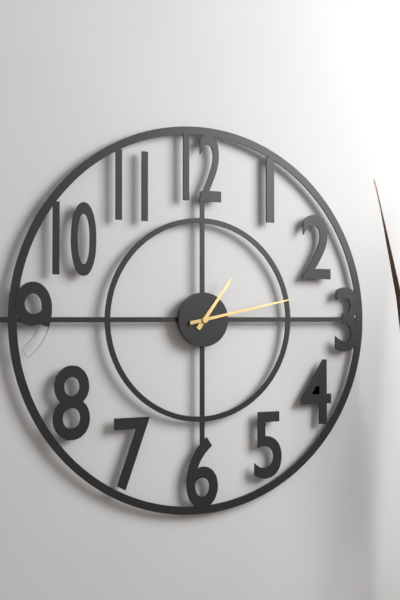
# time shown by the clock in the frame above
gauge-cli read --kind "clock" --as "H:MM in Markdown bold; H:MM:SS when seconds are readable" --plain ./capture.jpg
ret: **1:13**
